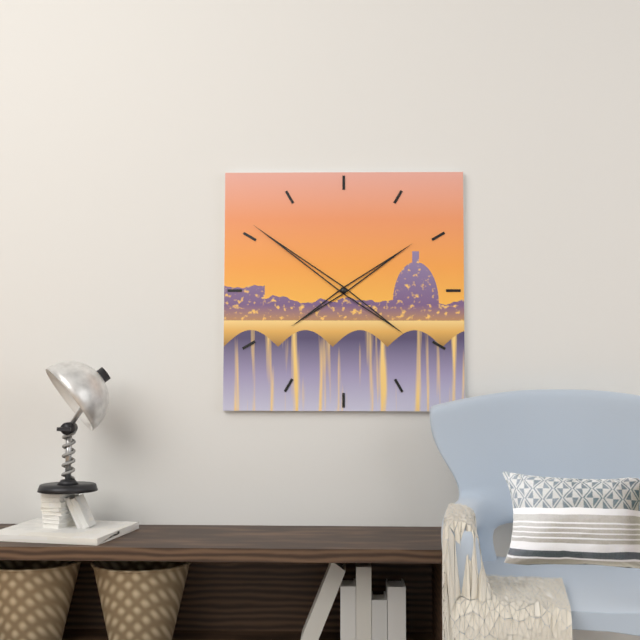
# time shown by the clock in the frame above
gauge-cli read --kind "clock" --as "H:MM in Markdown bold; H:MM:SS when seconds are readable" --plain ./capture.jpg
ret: **1:51**
